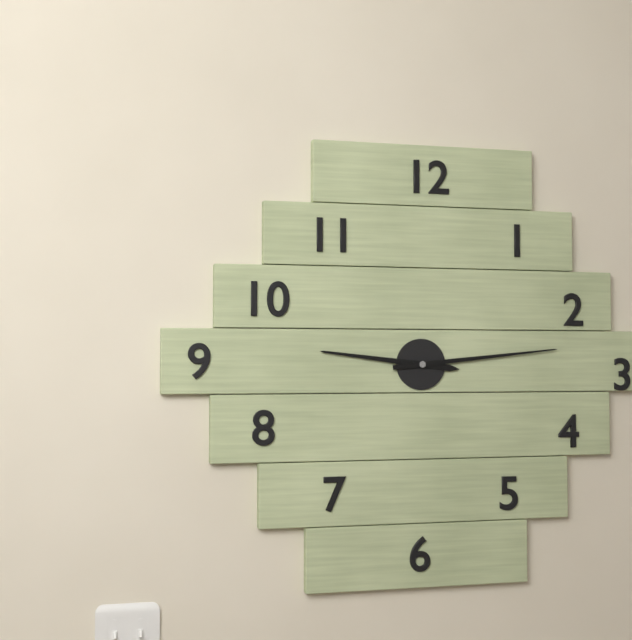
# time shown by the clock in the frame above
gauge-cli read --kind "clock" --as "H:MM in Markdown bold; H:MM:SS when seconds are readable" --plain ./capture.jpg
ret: **9:14**
